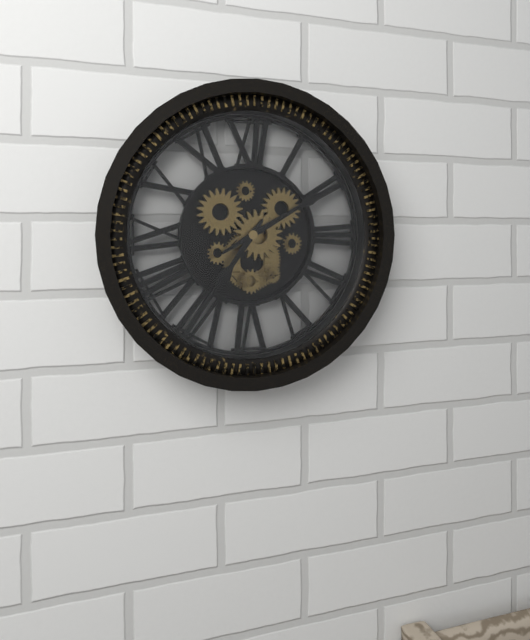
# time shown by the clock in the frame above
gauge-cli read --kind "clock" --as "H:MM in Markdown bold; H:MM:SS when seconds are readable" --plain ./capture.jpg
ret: **7:10**
